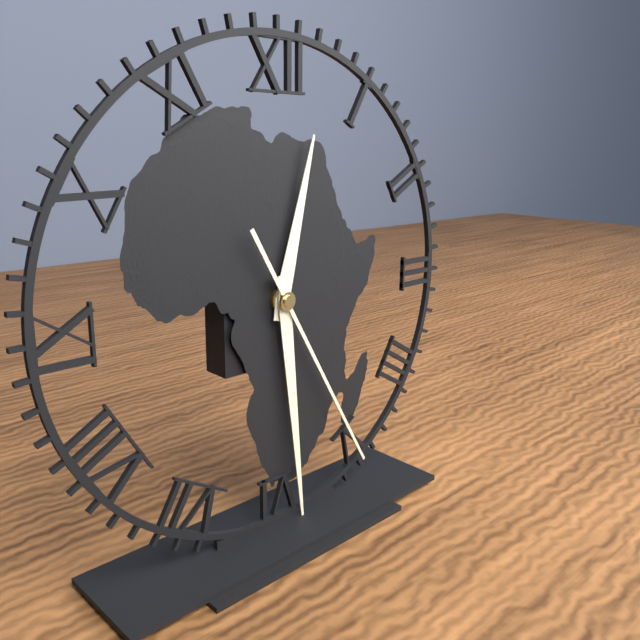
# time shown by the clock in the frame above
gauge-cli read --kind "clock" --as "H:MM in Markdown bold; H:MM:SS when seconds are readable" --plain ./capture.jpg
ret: **12:29:25**
